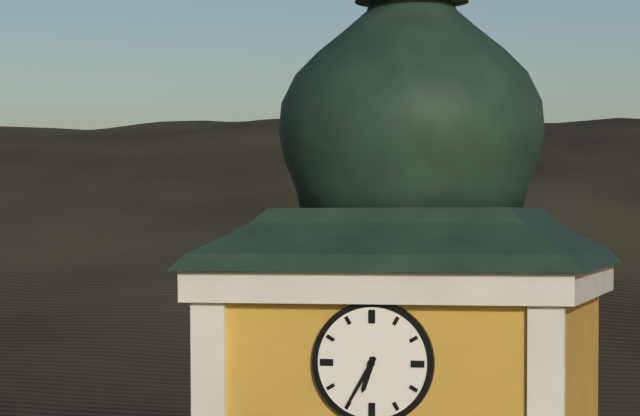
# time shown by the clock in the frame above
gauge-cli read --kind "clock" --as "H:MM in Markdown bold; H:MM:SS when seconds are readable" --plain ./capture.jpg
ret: **6:35**
